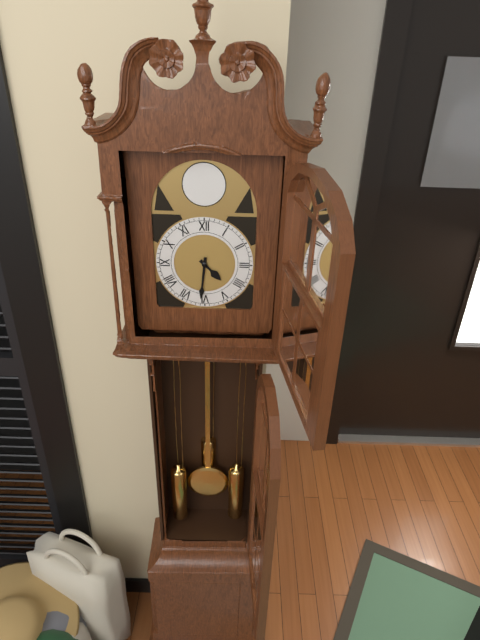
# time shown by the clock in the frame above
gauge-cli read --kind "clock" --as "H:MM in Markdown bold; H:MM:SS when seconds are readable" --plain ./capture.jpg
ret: **4:31**
